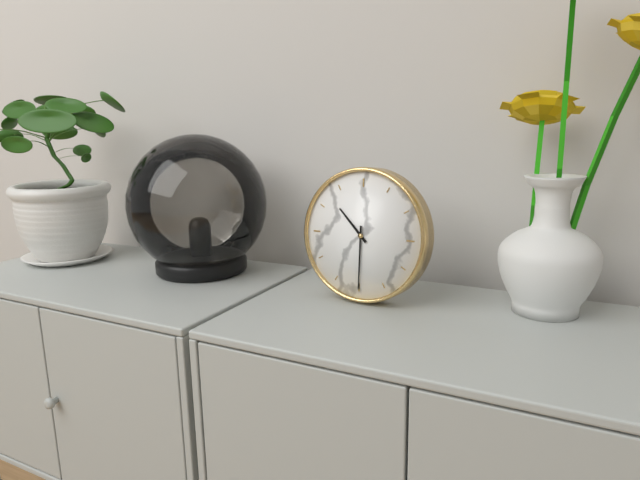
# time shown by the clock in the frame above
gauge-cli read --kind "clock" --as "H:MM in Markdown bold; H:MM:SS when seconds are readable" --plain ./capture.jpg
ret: **10:30**
